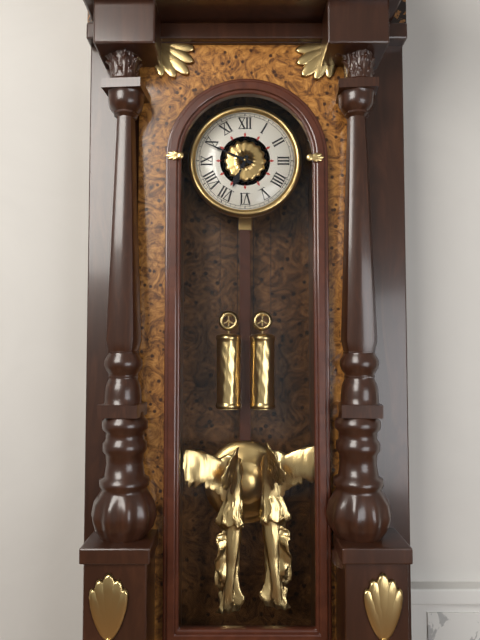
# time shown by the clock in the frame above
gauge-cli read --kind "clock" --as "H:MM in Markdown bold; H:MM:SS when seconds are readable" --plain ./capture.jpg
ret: **6:49**
